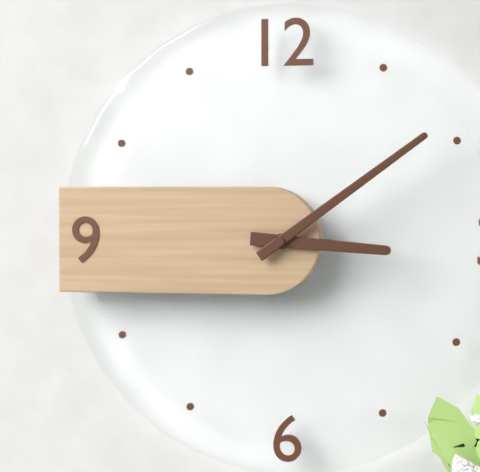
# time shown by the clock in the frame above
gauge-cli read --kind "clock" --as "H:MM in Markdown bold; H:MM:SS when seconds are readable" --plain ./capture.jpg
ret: **3:09**
